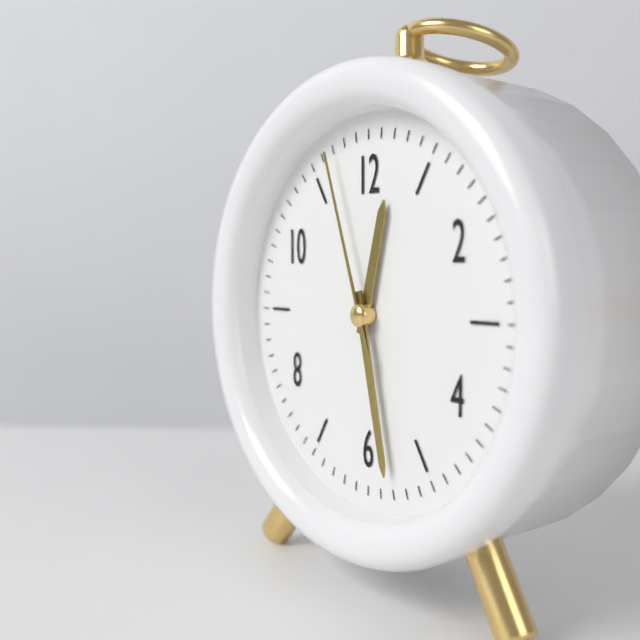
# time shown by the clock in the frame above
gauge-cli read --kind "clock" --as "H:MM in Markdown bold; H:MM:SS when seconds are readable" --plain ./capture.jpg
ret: **12:28:57**
